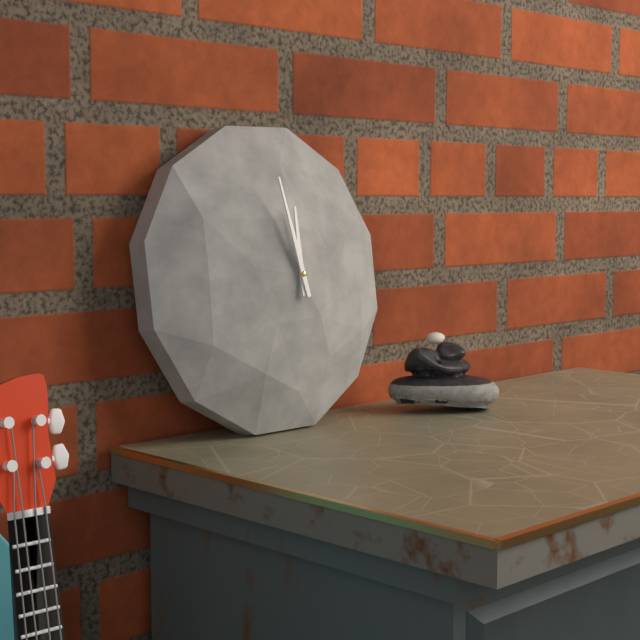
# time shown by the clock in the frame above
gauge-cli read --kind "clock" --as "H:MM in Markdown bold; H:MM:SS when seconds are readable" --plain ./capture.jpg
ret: **11:58**
